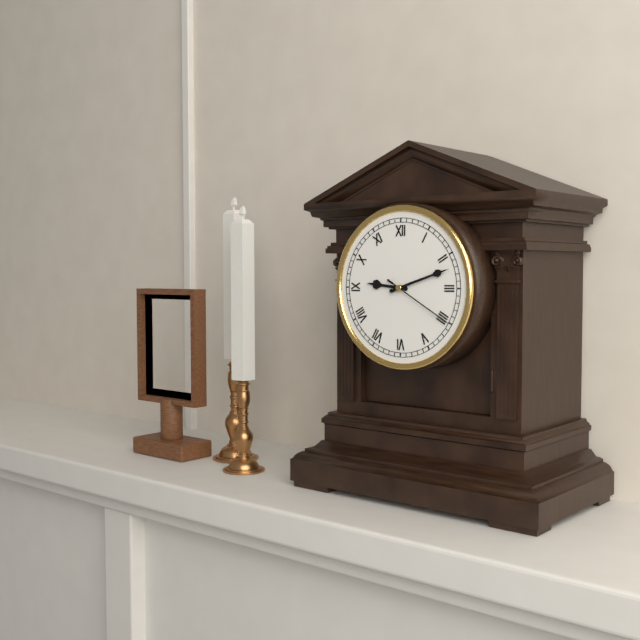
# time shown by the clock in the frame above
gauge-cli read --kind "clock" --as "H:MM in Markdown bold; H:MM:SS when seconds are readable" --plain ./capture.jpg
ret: **9:12:20**
